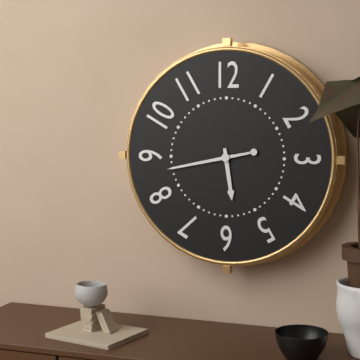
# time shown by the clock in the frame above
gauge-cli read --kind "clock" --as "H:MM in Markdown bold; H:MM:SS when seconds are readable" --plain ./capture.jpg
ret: **5:43**
